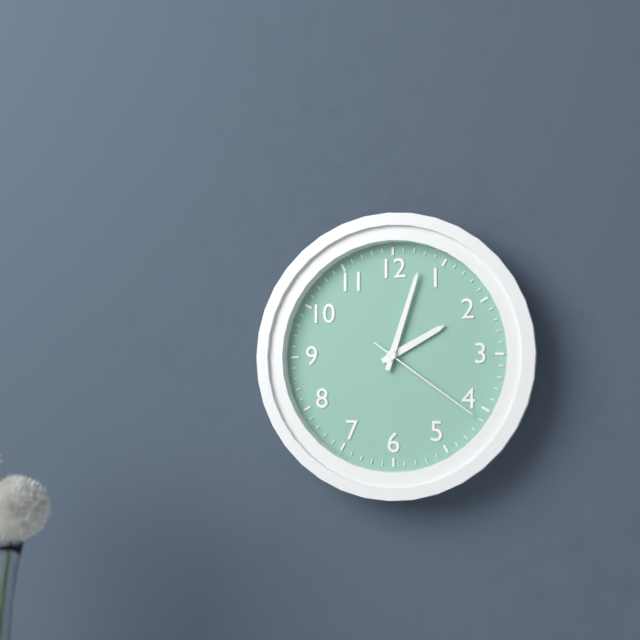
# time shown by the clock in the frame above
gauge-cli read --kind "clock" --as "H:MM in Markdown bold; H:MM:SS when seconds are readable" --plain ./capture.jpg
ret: **2:03:21**
